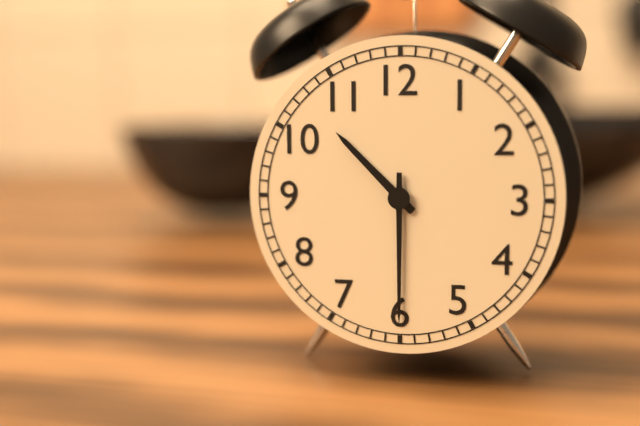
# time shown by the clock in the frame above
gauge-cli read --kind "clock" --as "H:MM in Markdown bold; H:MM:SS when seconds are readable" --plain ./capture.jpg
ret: **10:30**
